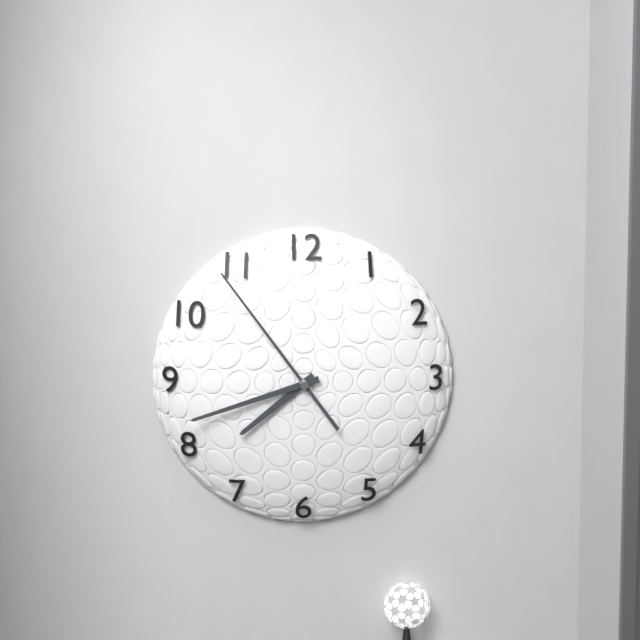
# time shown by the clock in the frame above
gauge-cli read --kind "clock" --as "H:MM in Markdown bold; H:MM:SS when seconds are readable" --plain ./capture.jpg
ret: **7:42:54**
